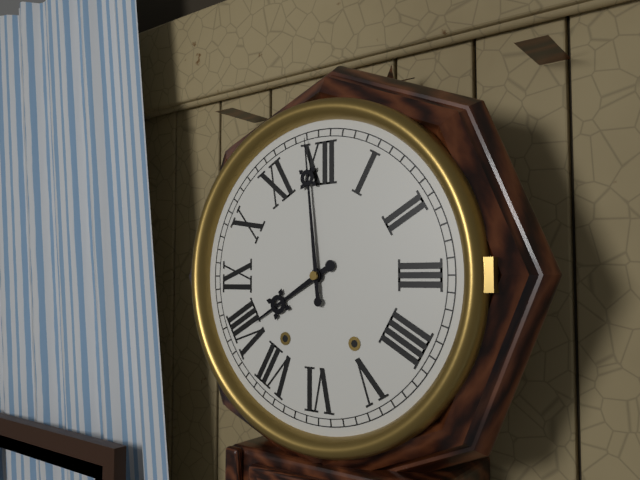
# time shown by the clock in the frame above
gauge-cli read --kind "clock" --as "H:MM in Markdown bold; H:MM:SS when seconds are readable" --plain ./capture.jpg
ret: **7:59**
